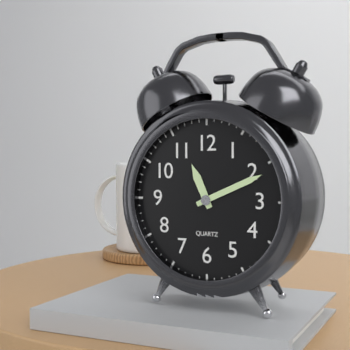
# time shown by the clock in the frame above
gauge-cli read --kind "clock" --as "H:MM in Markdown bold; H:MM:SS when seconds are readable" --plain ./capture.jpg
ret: **11:11**
